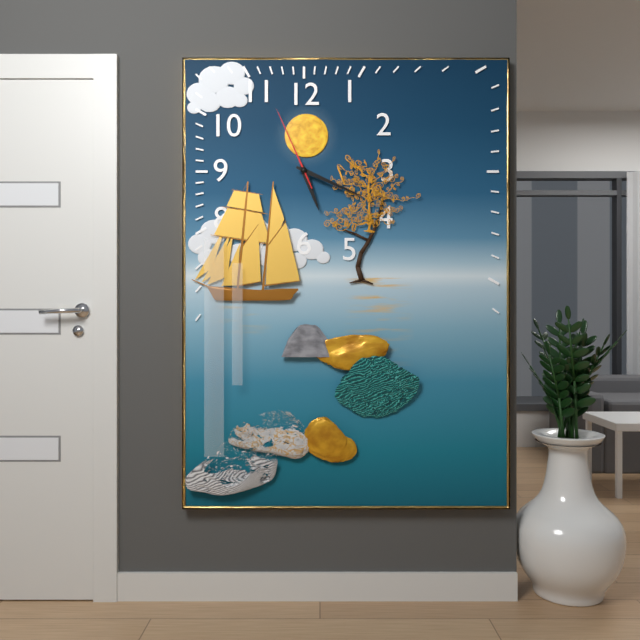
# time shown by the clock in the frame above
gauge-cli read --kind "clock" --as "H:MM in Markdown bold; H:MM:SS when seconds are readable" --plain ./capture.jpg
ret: **5:19:56**
